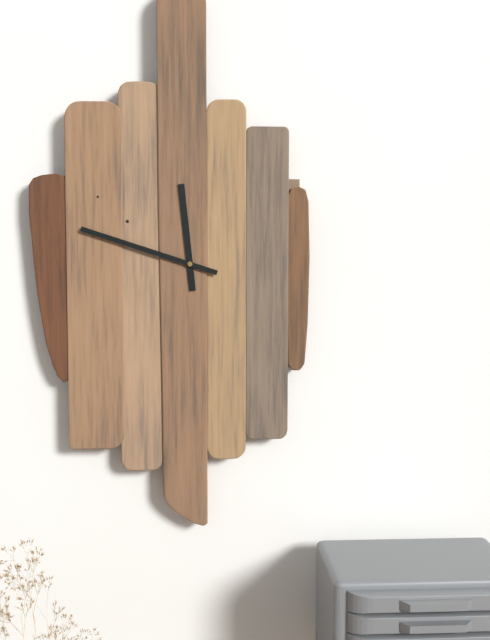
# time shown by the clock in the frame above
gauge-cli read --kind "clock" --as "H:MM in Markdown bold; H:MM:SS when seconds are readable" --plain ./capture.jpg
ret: **11:48**
